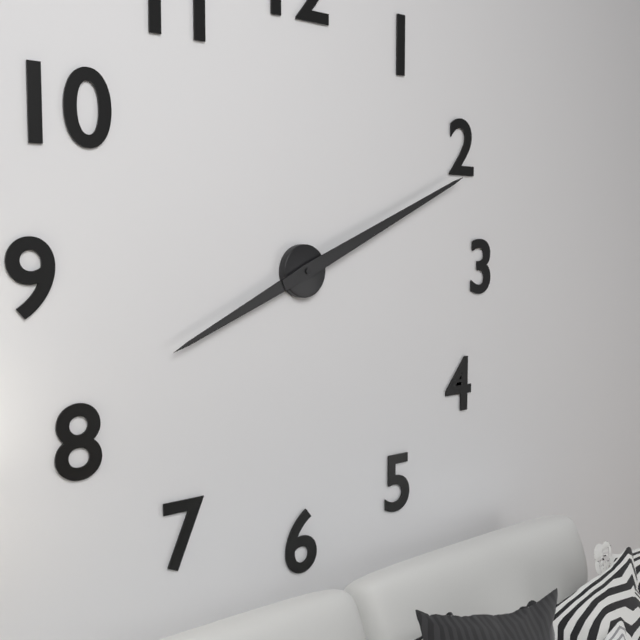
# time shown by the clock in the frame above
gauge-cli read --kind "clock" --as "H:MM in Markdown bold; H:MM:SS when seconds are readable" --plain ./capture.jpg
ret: **8:11**
